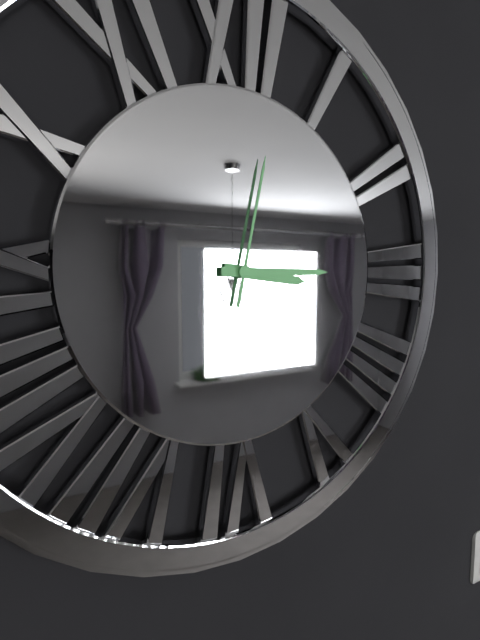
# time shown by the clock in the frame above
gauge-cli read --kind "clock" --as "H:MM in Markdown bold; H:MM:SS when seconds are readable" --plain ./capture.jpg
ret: **3:15:02**
